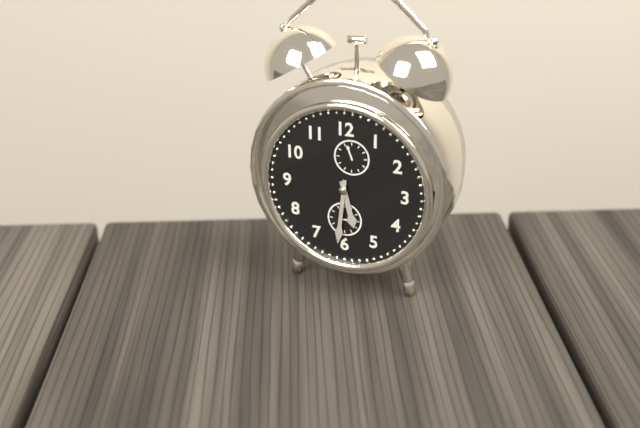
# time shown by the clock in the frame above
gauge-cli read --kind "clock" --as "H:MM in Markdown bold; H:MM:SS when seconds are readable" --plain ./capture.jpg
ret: **5:31**
